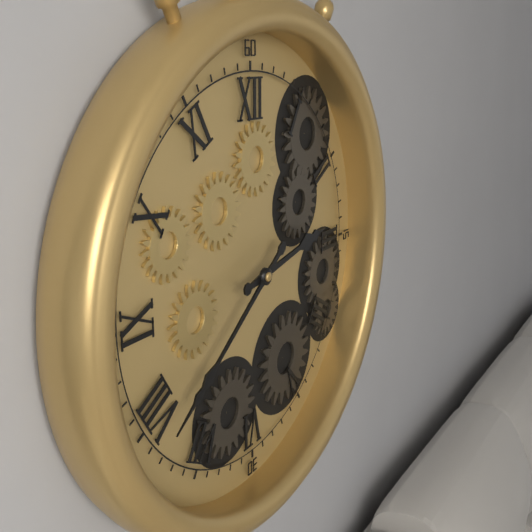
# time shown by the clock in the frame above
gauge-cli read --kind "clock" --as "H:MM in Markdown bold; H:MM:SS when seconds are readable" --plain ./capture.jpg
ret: **2:39**
